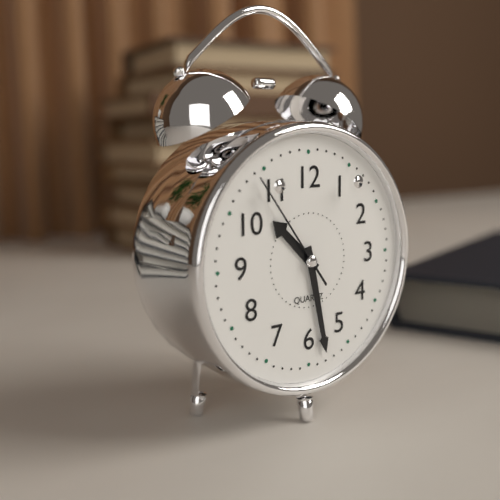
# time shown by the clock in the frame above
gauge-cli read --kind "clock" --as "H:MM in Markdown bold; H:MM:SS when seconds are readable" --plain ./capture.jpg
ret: **10:28:54**
